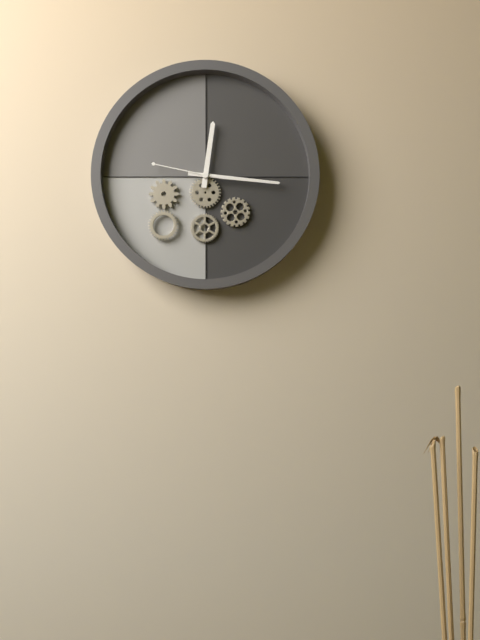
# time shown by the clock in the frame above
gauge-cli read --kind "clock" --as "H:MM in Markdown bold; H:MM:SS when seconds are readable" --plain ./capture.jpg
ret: **12:16:47**
